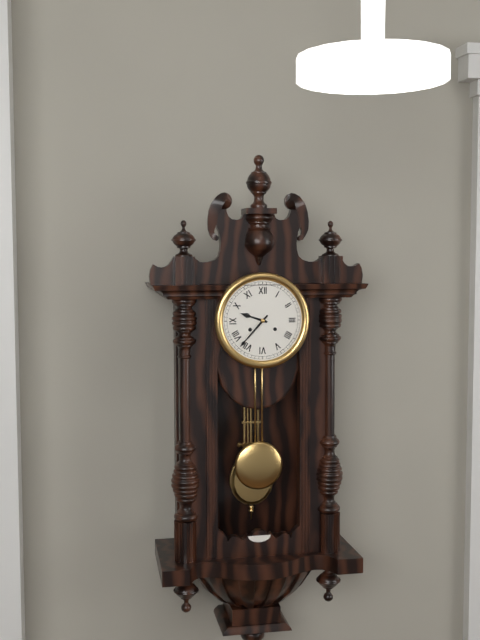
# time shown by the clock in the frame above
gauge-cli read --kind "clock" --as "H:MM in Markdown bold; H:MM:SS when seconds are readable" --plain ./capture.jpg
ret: **9:37**
